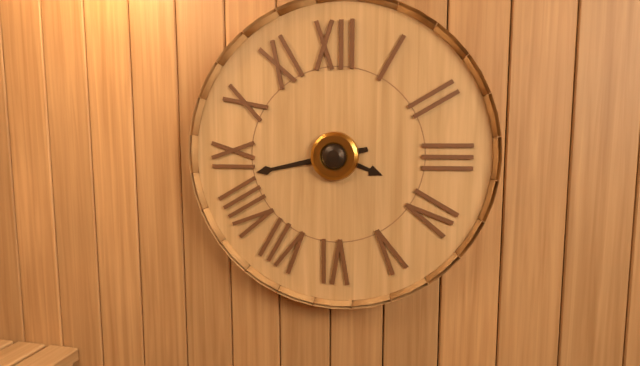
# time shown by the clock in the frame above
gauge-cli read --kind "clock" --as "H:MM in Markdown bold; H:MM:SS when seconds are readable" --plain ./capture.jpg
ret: **3:43**
